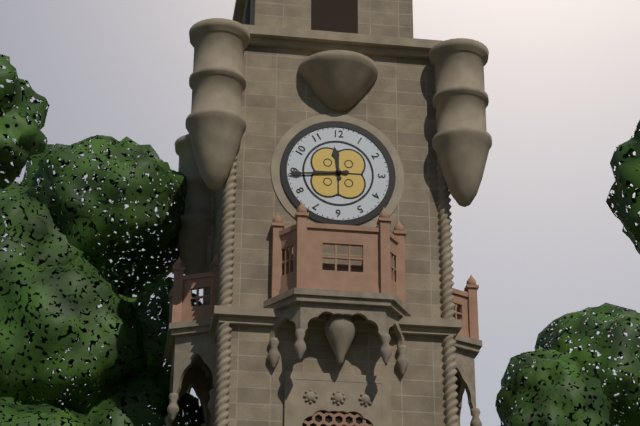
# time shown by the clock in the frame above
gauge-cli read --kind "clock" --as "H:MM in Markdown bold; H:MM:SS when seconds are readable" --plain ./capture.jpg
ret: **11:44**
